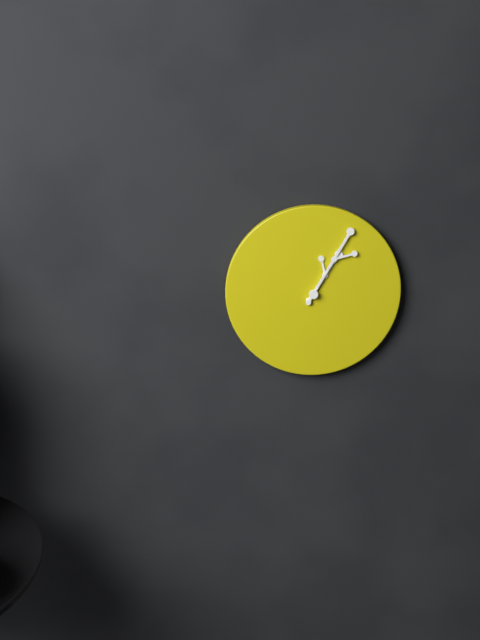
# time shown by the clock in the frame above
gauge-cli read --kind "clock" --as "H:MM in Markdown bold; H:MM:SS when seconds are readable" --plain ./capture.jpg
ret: **1:05**
